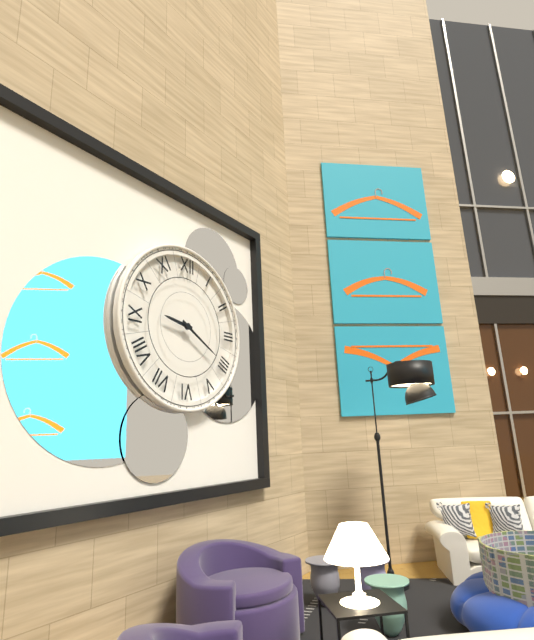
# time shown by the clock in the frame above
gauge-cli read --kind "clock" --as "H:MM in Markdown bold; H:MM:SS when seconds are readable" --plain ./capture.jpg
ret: **9:20**
